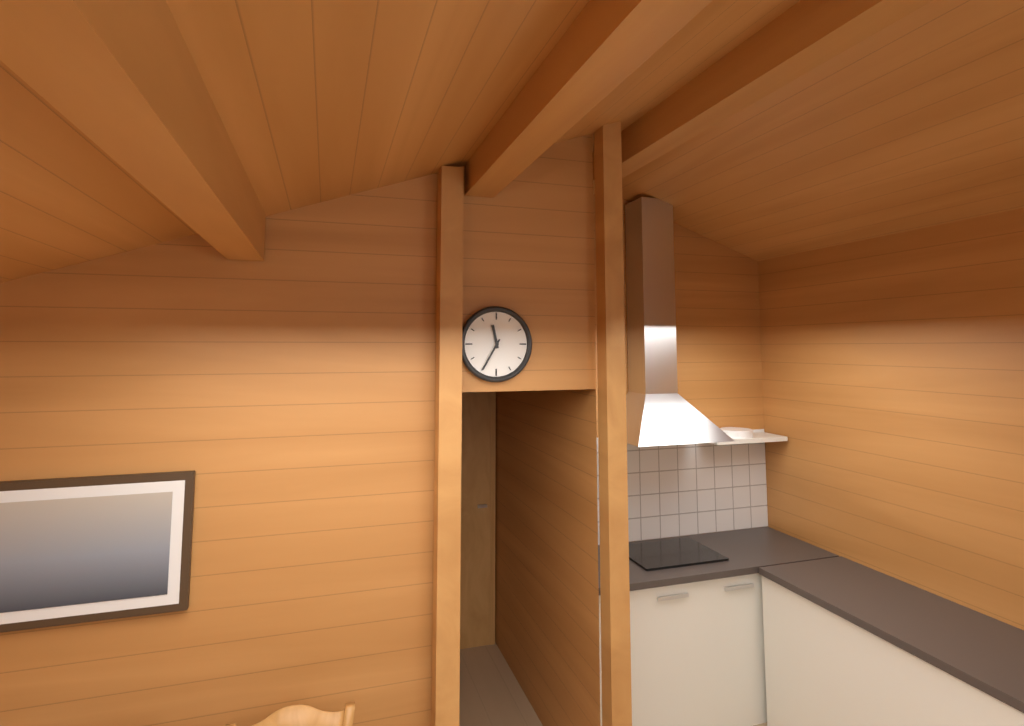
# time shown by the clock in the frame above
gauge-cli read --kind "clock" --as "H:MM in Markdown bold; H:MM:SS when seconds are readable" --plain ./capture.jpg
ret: **11:35**
